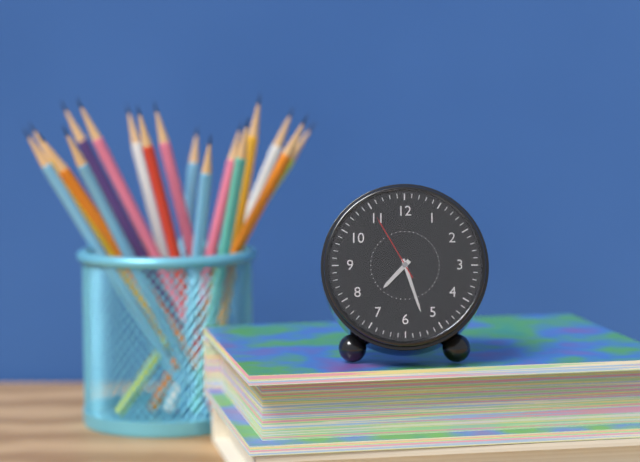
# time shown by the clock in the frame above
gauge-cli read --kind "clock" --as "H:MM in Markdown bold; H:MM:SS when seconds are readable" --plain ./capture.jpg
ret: **7:27:55**
